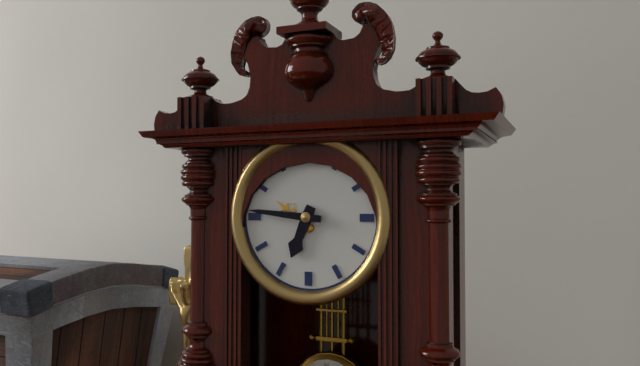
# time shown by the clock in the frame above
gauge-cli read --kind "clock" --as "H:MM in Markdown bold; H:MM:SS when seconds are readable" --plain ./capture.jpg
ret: **6:46**
